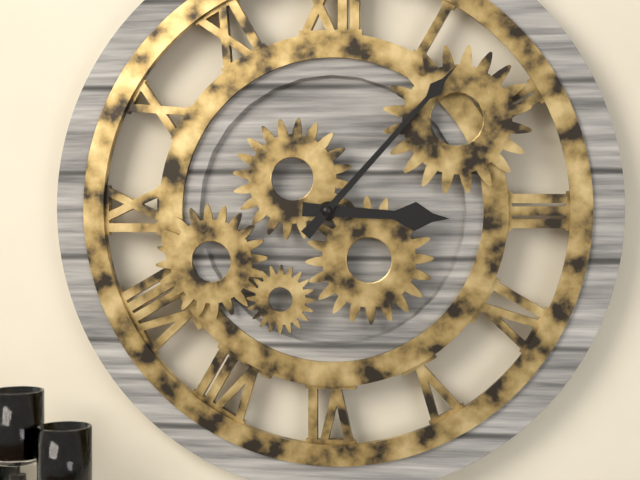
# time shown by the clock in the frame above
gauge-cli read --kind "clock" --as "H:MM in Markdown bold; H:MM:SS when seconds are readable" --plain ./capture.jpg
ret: **3:07**
